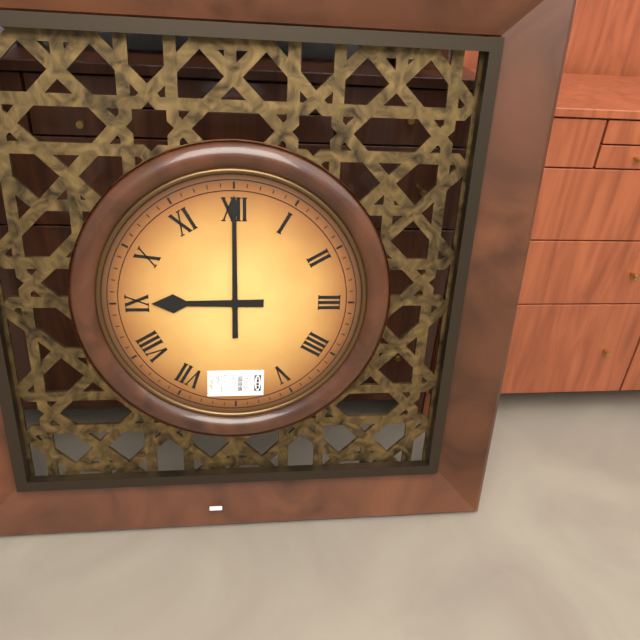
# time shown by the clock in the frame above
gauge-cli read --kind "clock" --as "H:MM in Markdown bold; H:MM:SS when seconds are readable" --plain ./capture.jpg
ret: **9:00**
